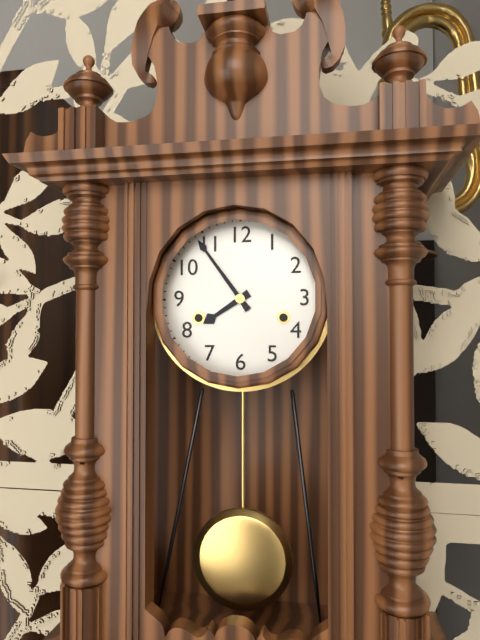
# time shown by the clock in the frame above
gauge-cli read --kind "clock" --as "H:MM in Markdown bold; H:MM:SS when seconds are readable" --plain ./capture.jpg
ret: **7:54**
